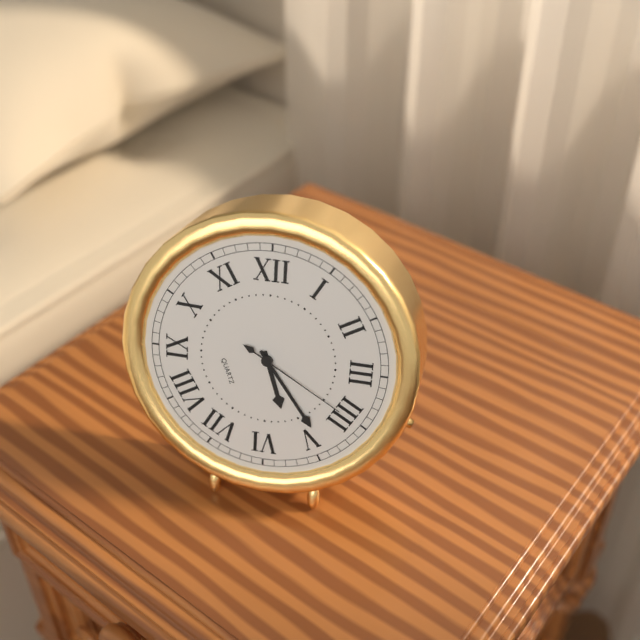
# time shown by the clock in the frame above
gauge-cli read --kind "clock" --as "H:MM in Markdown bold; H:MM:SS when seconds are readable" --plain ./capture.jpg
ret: **5:24:20**
